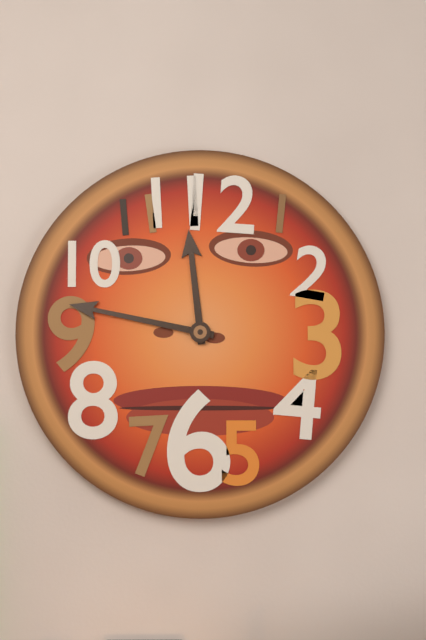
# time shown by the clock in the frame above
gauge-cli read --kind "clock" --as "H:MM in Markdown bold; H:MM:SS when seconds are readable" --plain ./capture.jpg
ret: **11:47**
